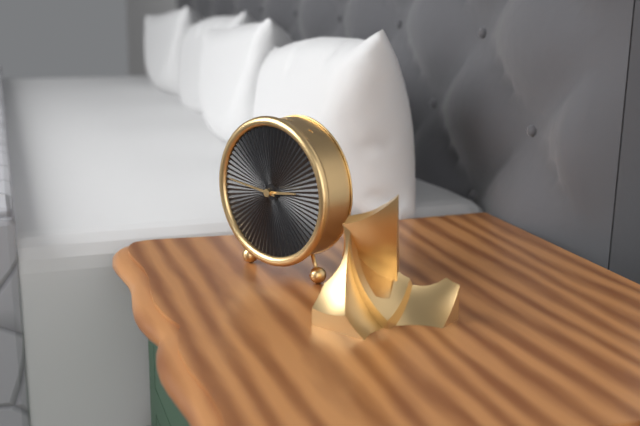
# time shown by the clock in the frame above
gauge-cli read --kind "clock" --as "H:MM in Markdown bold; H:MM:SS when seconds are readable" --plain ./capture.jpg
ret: **2:46**
